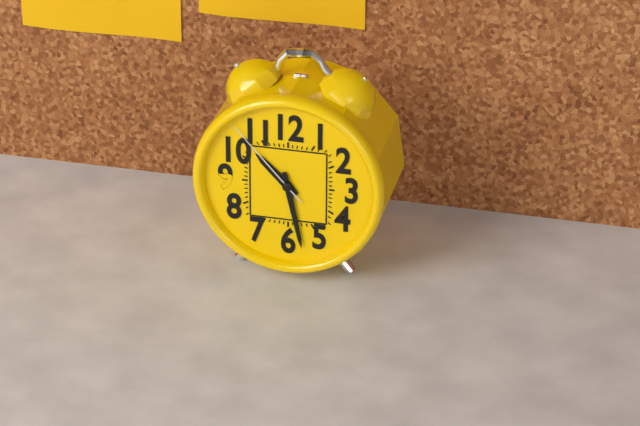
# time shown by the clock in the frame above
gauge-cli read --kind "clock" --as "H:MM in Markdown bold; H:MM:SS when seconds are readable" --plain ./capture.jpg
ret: **10:28:53**
